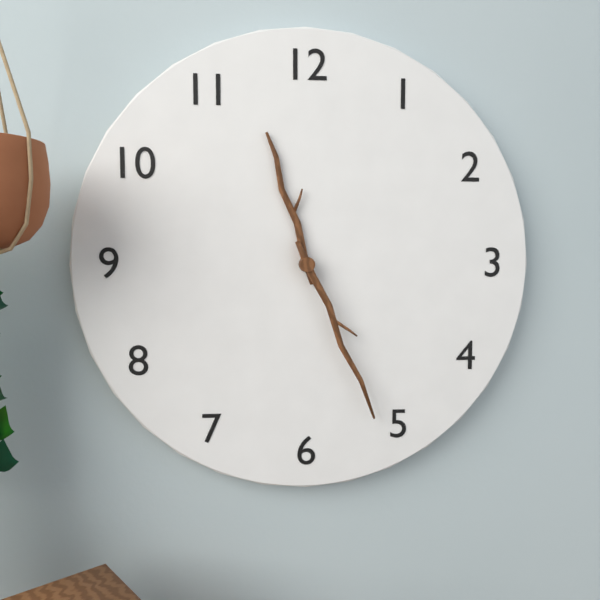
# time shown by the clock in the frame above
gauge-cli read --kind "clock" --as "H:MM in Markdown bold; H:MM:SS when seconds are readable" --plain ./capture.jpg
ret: **11:26**
